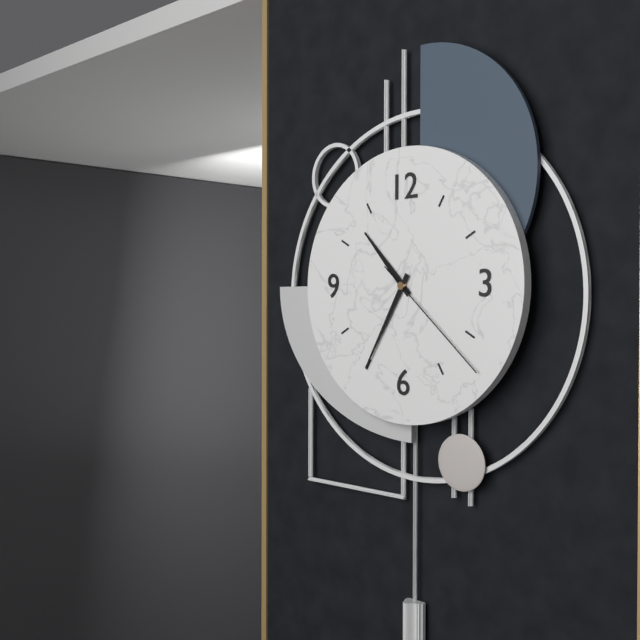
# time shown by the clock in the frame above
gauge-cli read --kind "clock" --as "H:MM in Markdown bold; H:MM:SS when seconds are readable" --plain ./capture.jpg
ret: **10:35:22**
